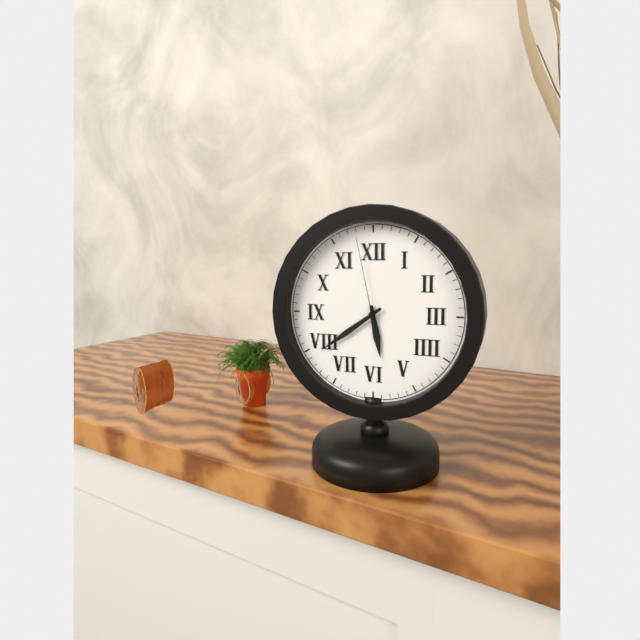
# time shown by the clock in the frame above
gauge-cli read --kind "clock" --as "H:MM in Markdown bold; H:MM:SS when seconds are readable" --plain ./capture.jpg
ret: **5:39:58**
